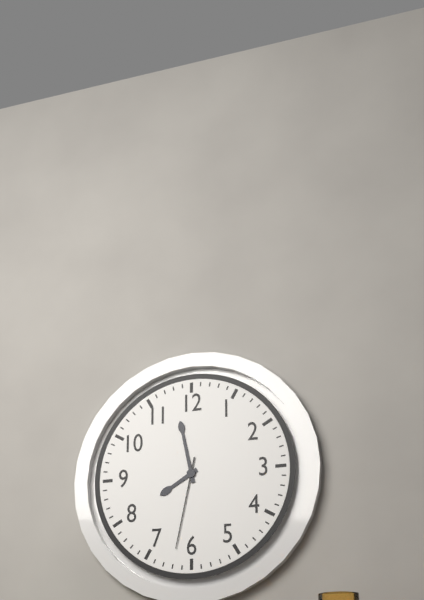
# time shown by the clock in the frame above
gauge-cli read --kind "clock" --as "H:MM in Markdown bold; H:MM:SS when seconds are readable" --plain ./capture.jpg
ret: **7:58:32**
